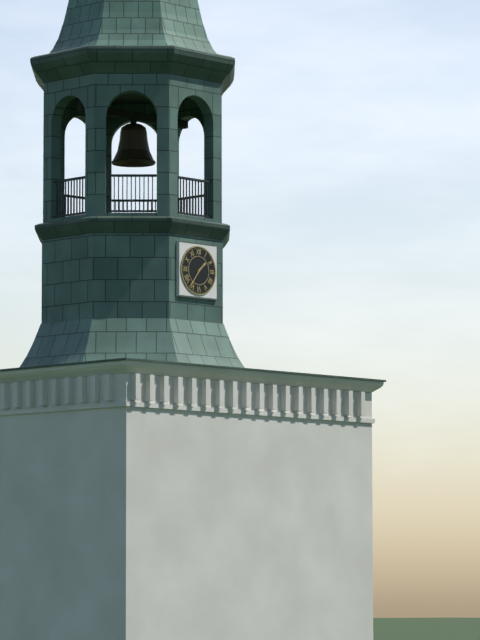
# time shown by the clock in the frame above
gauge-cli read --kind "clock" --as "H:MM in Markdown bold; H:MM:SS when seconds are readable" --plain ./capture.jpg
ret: **1:36**
